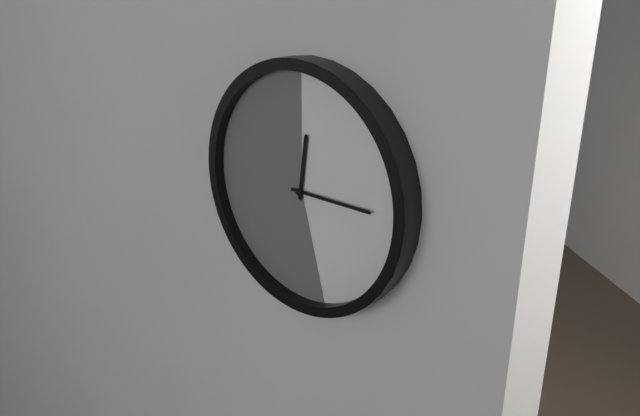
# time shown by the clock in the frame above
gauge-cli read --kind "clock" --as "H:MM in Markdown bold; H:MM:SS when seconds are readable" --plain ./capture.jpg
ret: **12:15**
